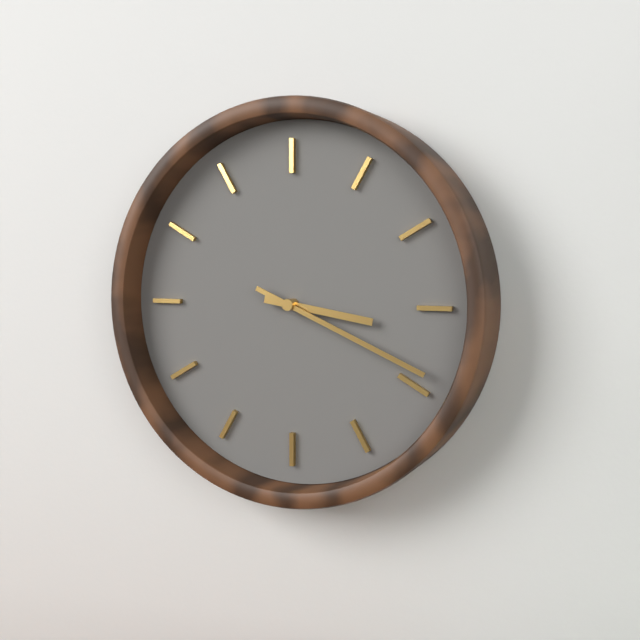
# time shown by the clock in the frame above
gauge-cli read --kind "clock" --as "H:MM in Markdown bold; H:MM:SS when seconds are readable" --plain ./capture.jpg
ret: **3:19**
